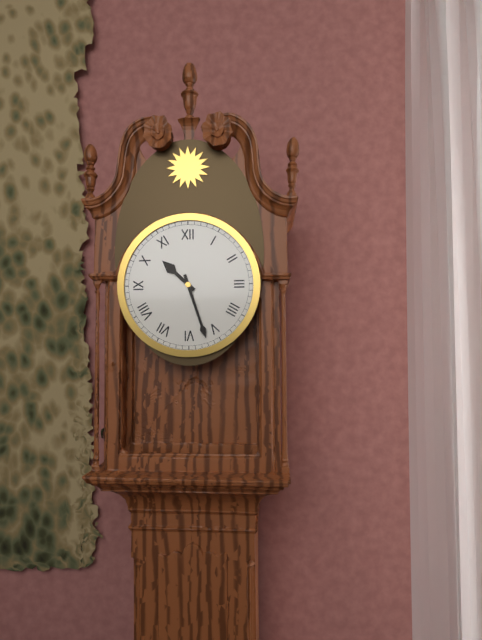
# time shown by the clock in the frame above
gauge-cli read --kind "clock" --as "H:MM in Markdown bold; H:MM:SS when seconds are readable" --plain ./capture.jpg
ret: **10:27**
